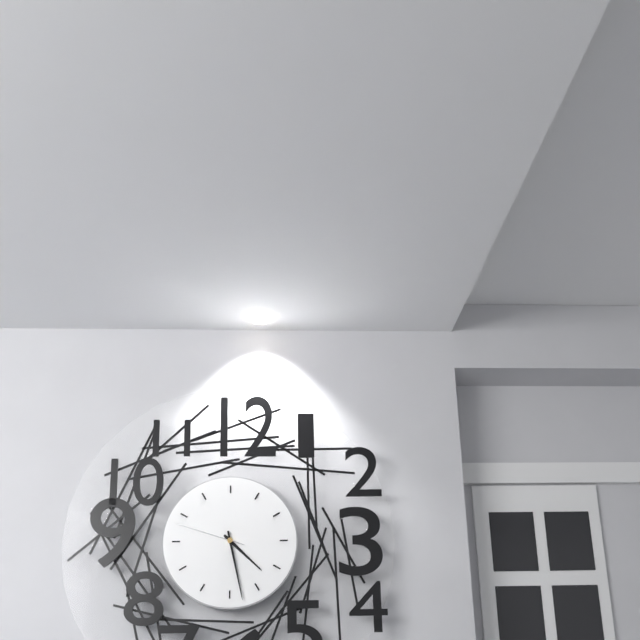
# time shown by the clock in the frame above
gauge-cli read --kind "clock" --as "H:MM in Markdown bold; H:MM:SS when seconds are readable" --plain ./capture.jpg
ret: **4:28:48**
